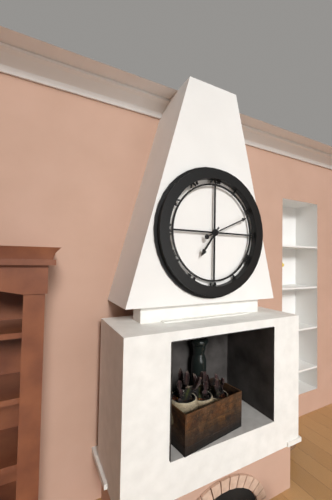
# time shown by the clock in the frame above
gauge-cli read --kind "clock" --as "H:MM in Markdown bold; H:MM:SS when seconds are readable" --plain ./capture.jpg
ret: **7:11**
